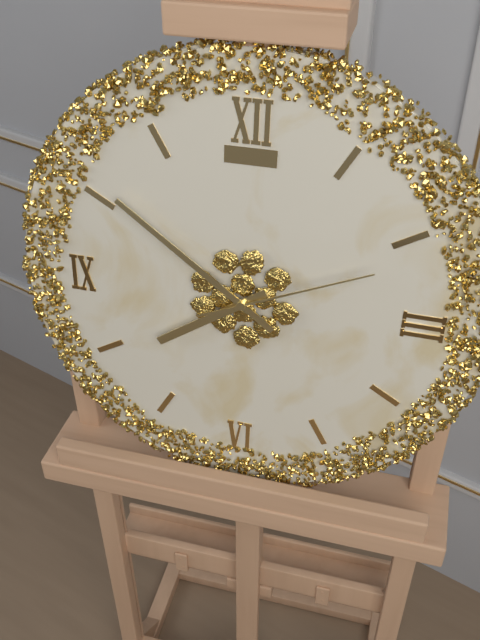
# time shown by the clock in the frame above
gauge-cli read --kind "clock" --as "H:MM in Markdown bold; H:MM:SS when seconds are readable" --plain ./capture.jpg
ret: **7:51:11**
